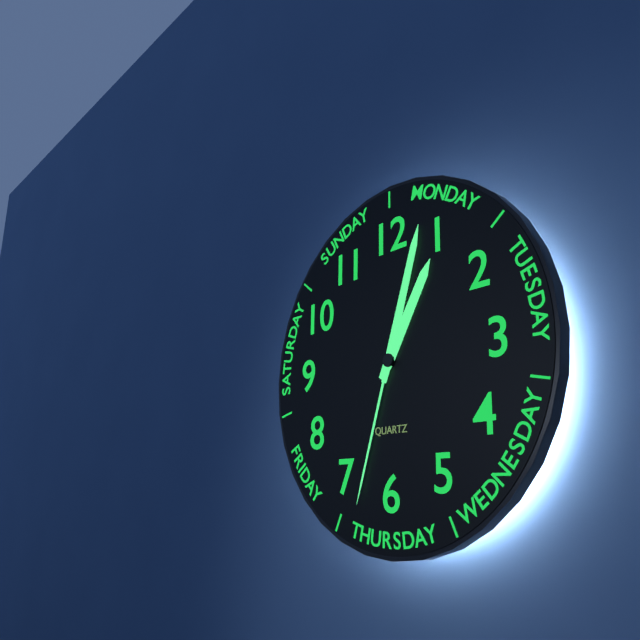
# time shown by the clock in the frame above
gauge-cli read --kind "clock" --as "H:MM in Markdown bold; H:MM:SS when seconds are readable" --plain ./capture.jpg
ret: **1:03:33**
